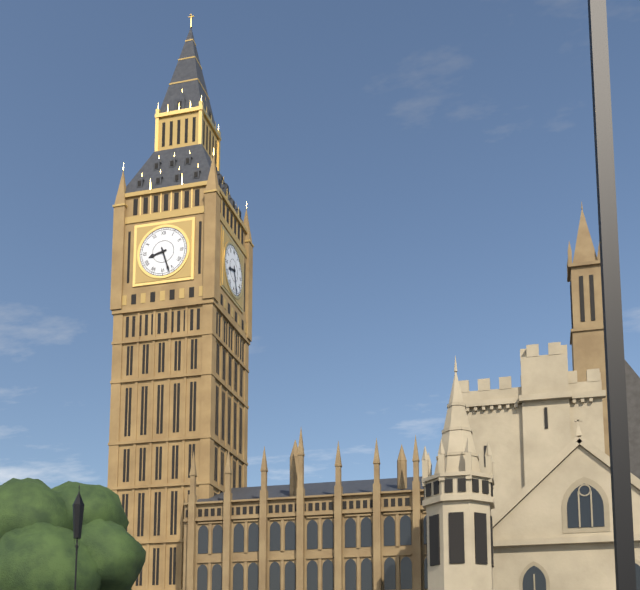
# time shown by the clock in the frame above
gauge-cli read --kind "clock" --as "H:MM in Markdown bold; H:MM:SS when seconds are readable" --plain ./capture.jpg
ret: **8:27**
